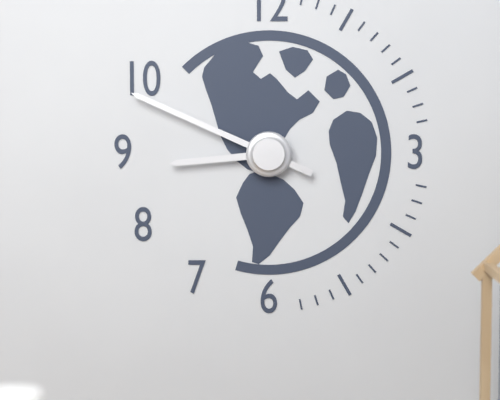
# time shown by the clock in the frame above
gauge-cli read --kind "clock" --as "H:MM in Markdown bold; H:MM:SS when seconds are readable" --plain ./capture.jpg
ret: **8:49**
